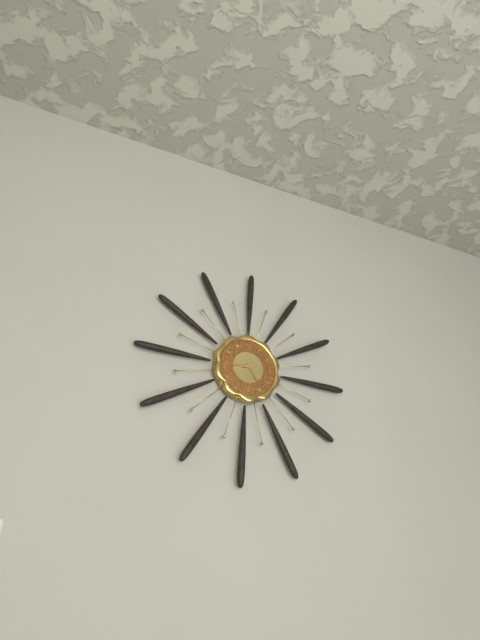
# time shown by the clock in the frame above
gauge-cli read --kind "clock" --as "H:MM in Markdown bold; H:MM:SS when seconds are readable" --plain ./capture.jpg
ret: **4:45**
